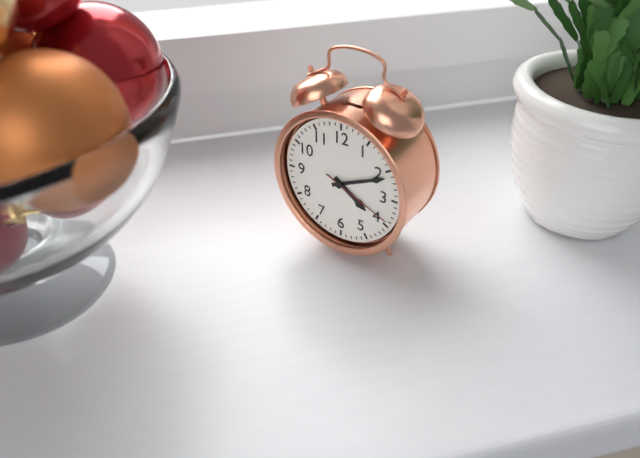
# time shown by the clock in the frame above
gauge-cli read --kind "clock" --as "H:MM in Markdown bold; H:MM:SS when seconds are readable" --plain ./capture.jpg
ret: **4:11:19**
